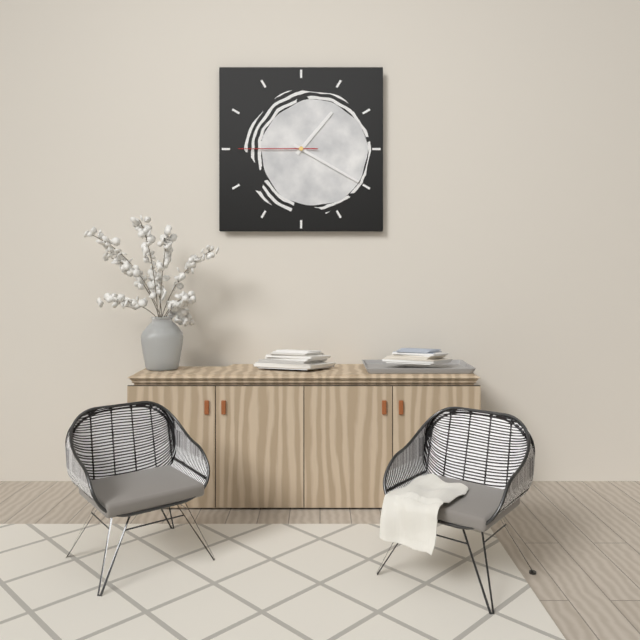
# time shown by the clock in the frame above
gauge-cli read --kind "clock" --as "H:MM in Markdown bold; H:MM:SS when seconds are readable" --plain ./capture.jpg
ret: **1:20:45**
